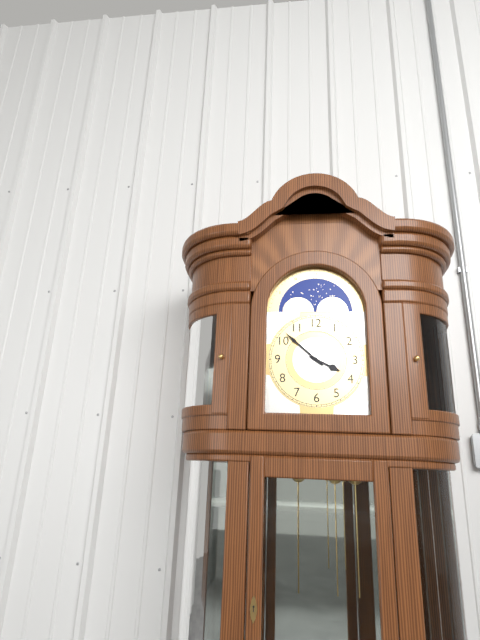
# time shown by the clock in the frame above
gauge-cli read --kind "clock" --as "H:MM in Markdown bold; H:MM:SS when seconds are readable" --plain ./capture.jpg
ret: **3:52**
